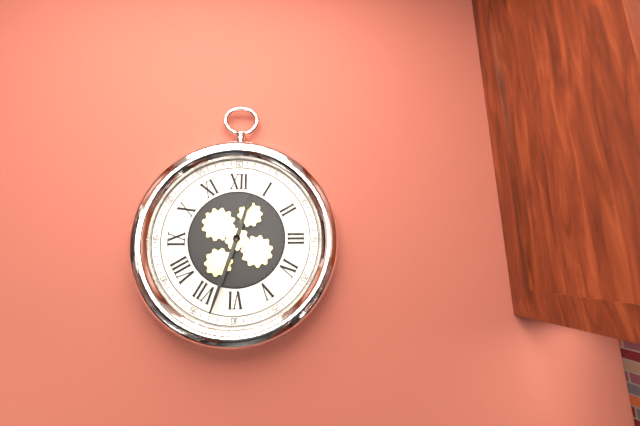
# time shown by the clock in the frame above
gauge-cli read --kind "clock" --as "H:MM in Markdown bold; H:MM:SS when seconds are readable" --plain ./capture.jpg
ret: **12:33**
